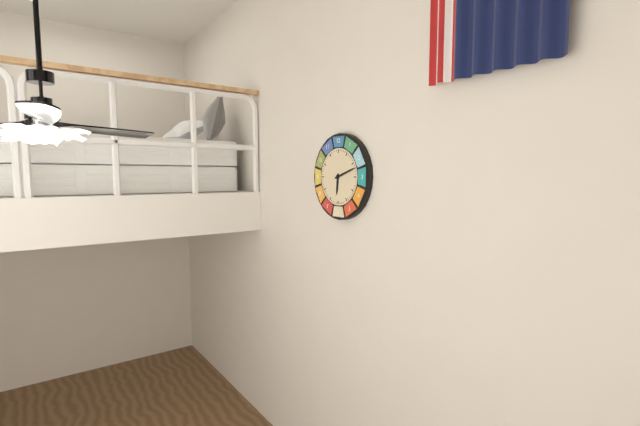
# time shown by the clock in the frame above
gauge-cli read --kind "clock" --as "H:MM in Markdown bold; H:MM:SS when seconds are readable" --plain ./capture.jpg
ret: **6:12**
